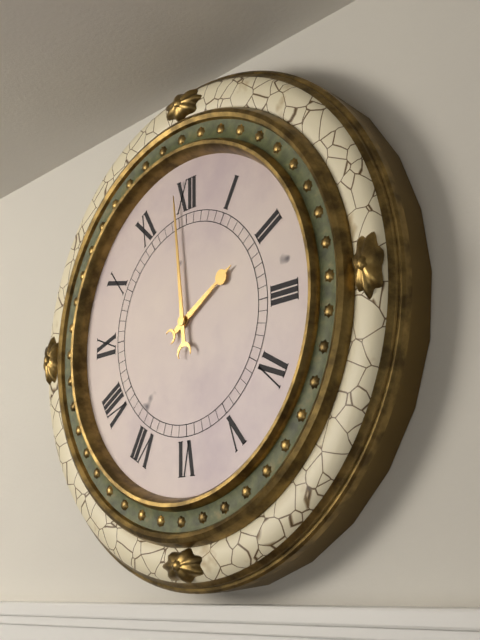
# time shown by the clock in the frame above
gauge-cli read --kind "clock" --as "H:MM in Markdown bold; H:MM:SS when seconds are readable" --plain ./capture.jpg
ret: **1:59**
